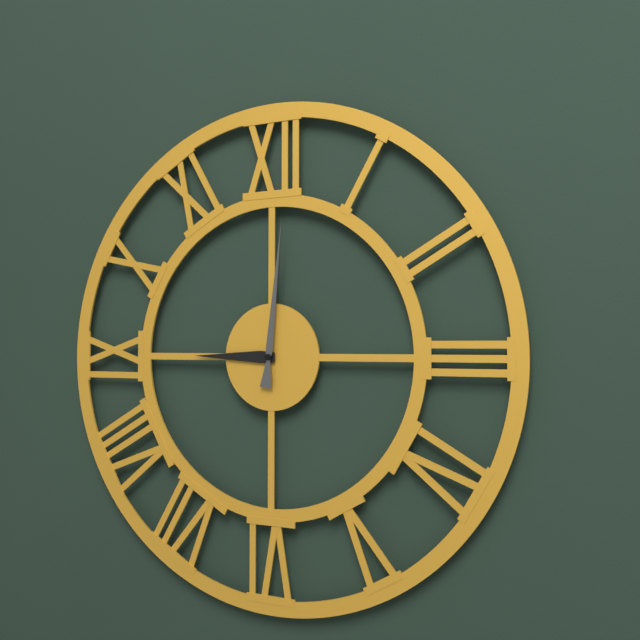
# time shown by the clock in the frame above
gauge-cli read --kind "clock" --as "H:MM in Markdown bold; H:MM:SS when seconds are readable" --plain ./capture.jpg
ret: **9:01**
